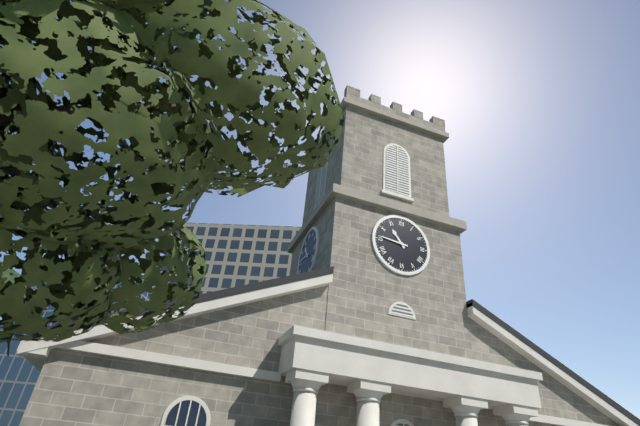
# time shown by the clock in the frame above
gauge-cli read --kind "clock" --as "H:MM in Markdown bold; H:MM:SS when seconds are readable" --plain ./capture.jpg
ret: **10:46**
